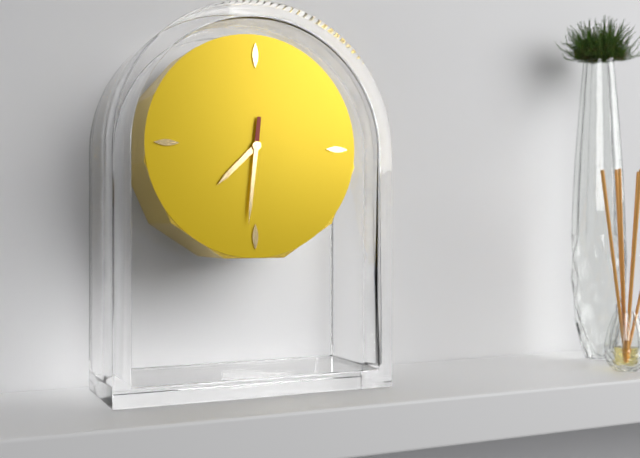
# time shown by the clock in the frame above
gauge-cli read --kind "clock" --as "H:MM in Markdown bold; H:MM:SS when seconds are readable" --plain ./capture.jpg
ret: **7:31**
